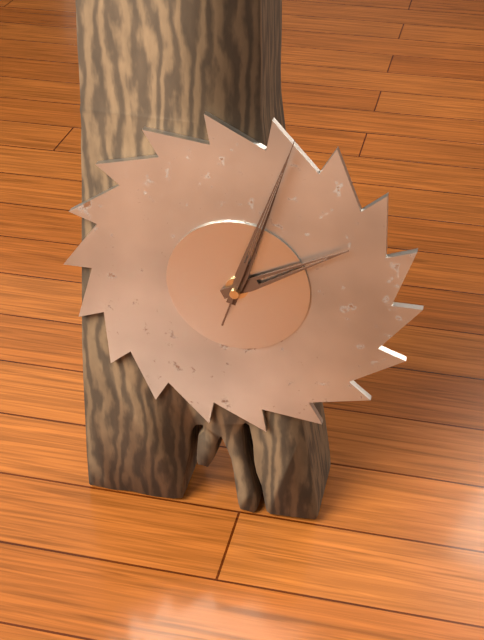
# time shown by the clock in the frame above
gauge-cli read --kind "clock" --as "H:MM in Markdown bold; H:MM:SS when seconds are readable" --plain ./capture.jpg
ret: **2:03:03**
